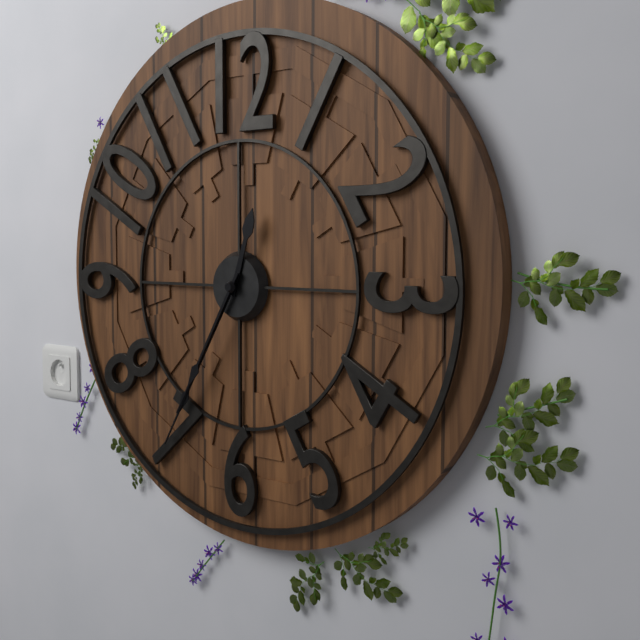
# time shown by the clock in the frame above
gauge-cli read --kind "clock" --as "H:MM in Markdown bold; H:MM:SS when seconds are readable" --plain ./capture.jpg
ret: **12:35:35**
